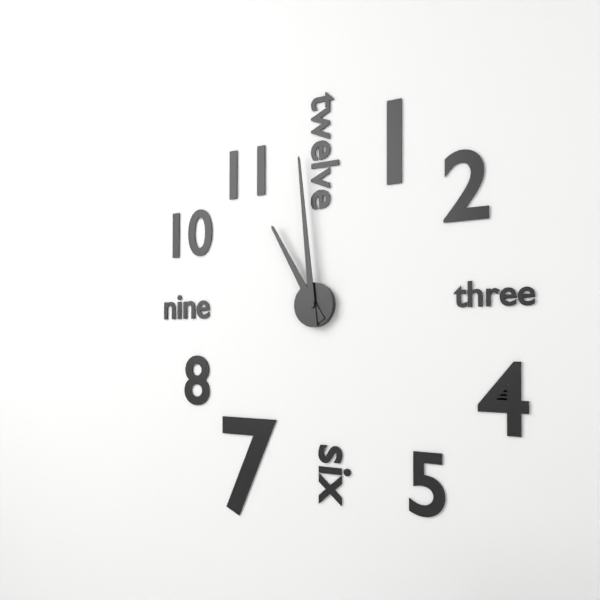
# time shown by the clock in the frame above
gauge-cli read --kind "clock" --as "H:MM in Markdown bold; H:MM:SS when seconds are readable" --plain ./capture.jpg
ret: **10:59**
